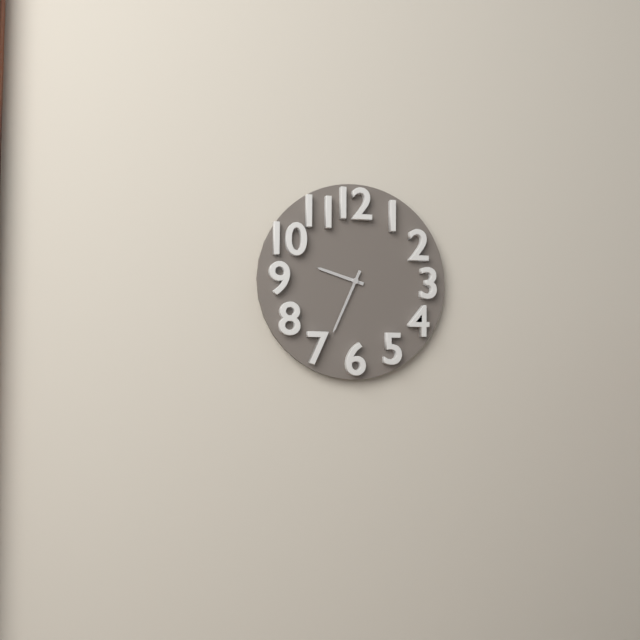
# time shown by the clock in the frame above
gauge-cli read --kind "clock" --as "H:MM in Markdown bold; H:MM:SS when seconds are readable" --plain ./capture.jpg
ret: **9:34**
